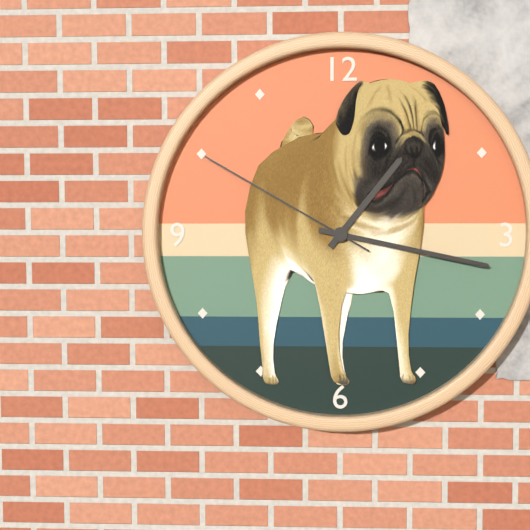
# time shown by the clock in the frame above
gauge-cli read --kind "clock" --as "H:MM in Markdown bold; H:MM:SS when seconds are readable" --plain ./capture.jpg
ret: **1:17:50**
